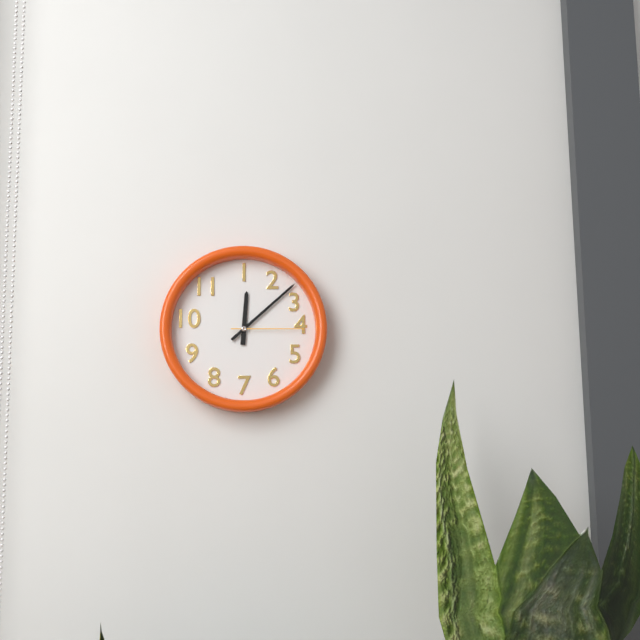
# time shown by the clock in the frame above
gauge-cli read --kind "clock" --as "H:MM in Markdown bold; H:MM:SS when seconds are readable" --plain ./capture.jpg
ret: **12:08:15**
